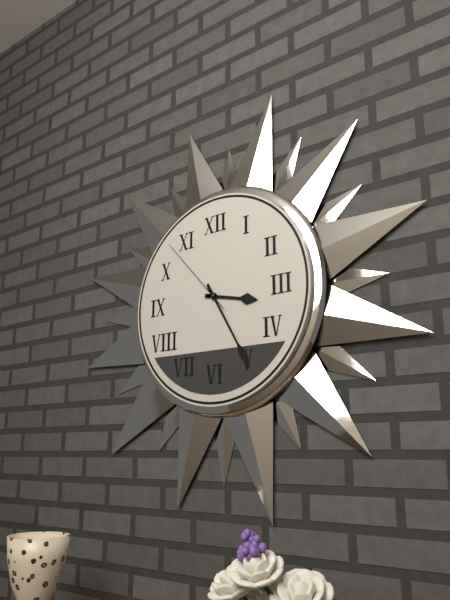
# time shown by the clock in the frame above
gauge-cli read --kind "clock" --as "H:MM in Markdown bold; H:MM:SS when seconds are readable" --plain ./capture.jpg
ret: **3:25:53**
